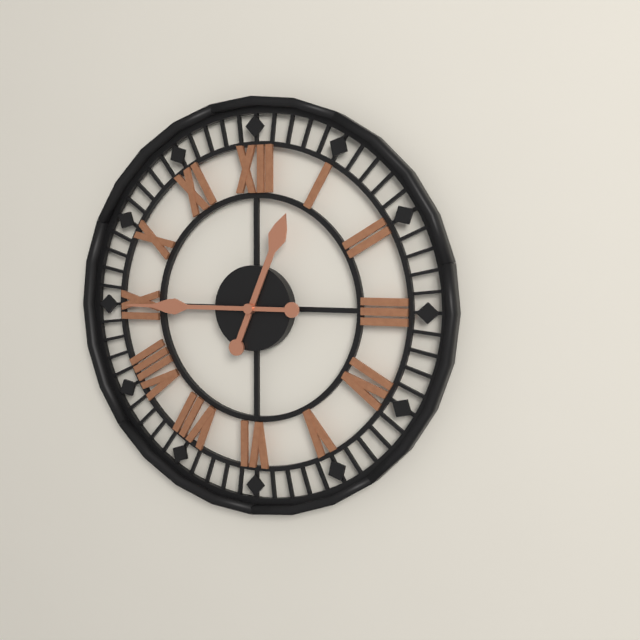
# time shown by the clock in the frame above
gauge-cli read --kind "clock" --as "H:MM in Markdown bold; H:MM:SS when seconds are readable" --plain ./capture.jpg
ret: **12:45**
